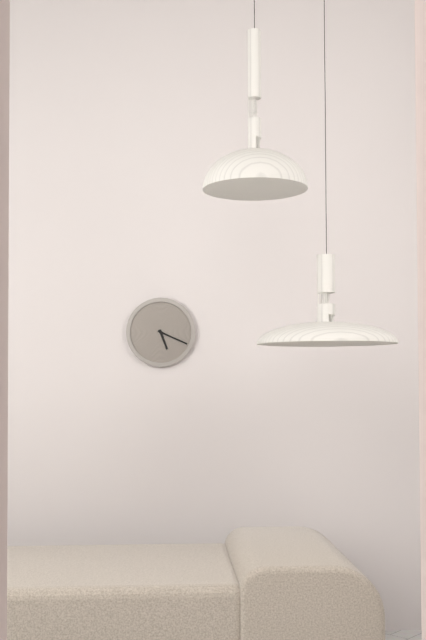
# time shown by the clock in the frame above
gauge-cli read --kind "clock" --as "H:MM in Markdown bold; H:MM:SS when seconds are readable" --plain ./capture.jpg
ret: **5:19**
